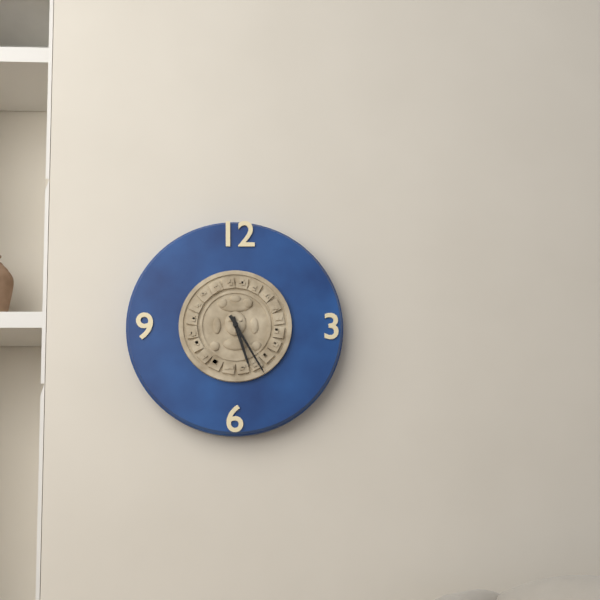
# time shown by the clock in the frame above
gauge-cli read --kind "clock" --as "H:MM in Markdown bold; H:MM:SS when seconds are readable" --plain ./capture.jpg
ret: **5:25**
